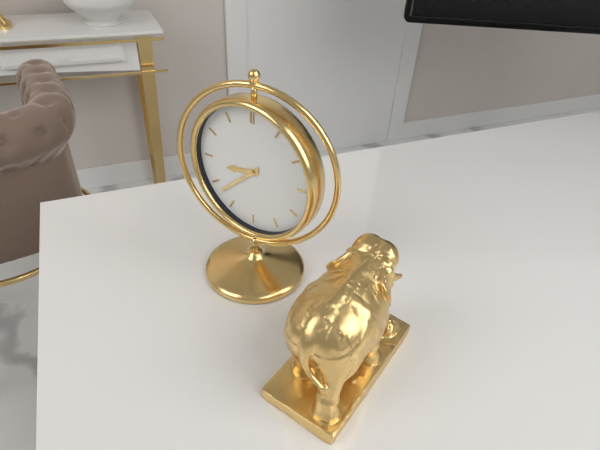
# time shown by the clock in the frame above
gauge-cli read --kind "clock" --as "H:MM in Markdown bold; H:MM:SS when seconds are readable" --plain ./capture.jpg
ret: **8:38**
